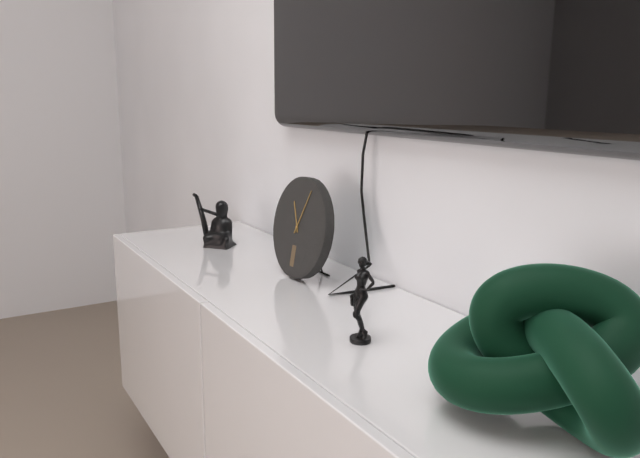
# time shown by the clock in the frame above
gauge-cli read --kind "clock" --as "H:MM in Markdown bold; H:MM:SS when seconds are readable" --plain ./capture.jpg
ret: **11:04**
